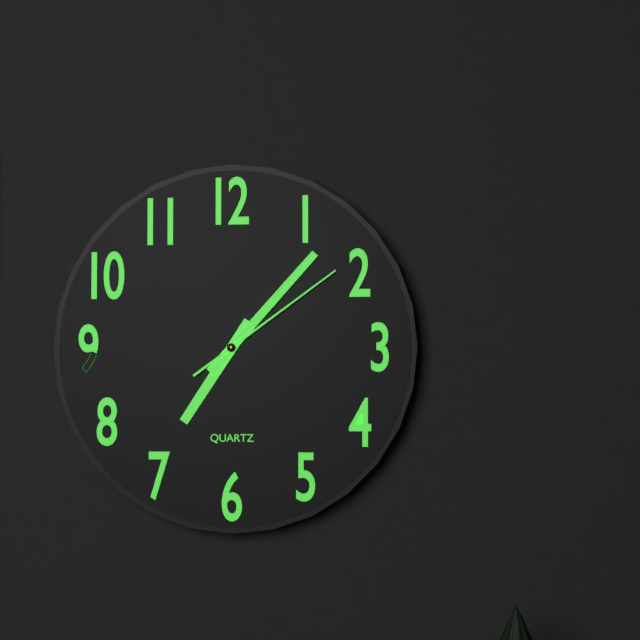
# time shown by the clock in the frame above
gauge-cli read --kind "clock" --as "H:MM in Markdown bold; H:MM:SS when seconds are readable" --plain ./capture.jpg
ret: **7:07:09**
